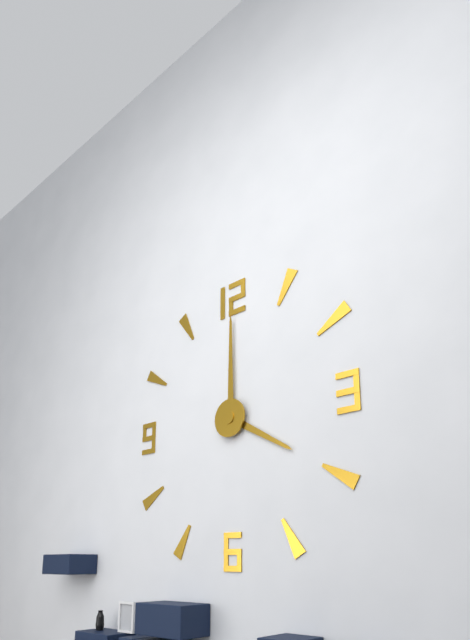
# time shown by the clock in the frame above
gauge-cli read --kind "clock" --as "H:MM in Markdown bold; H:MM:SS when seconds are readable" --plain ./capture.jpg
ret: **4:00**
